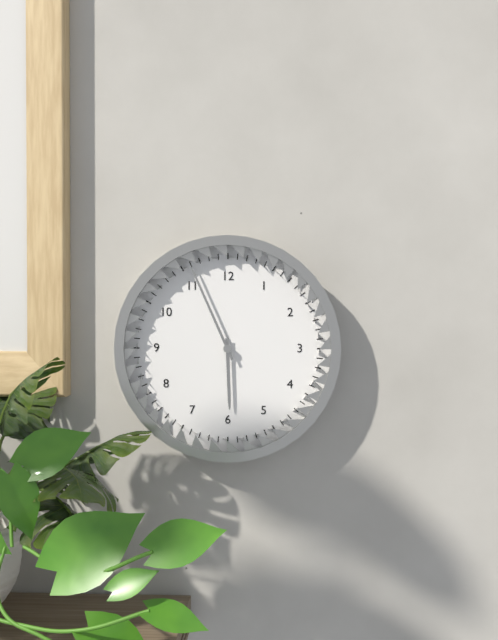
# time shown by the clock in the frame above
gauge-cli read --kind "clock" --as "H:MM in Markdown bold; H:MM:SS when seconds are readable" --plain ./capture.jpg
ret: **5:56**
